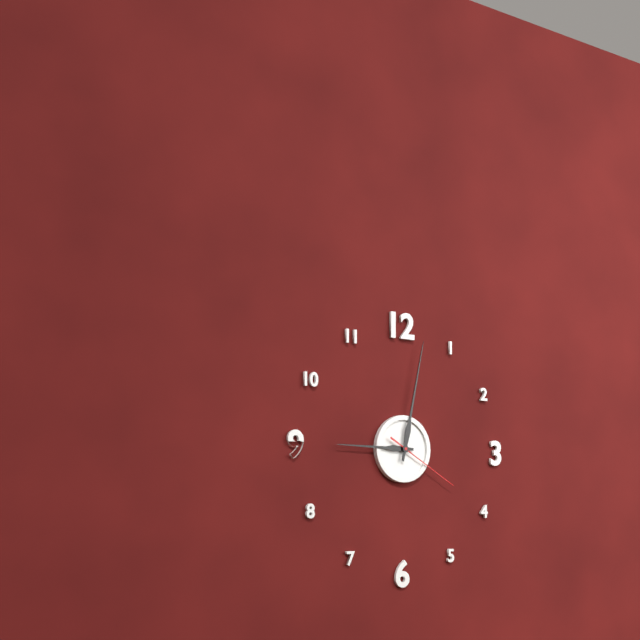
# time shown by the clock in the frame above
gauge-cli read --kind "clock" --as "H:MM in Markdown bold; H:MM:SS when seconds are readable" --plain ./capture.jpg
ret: **9:02:20**
